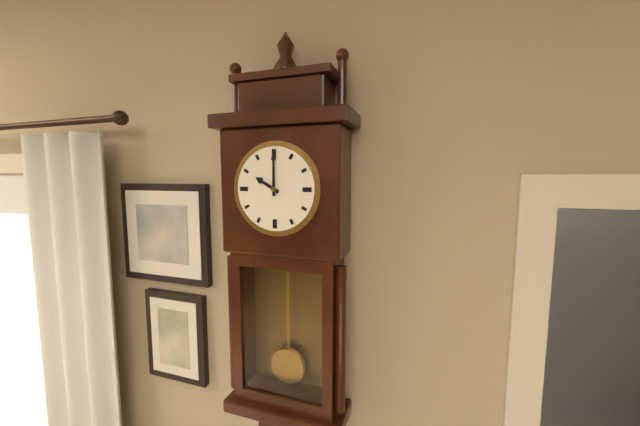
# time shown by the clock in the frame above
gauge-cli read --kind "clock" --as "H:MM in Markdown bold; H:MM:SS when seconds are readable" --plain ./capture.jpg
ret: **10:00**
